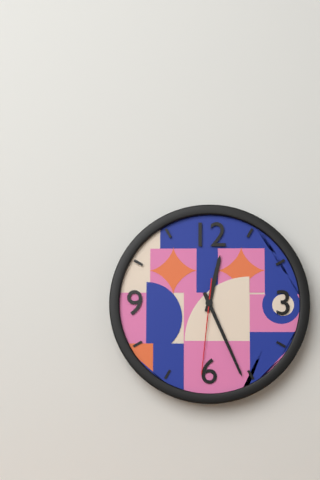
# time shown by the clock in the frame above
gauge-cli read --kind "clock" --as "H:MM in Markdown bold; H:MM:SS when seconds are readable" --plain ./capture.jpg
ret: **12:26:31**
